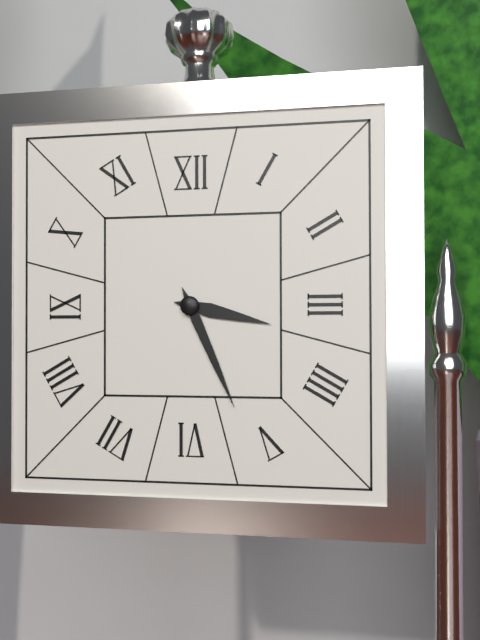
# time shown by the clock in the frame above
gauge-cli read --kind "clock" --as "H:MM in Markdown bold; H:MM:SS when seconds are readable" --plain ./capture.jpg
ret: **3:26**
